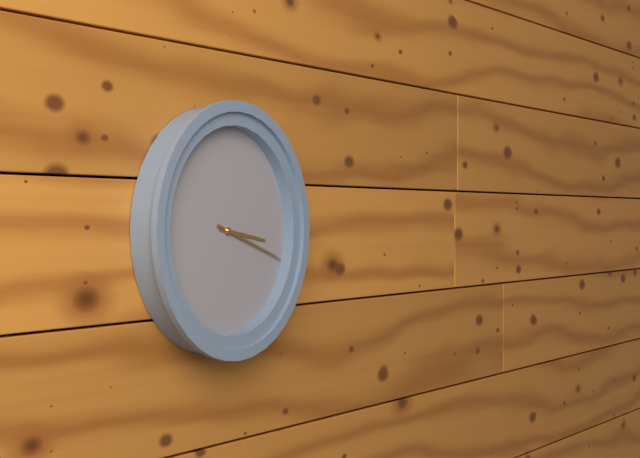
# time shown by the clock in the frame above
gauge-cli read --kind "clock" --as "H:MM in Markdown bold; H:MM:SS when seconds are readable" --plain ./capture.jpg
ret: **3:18**
